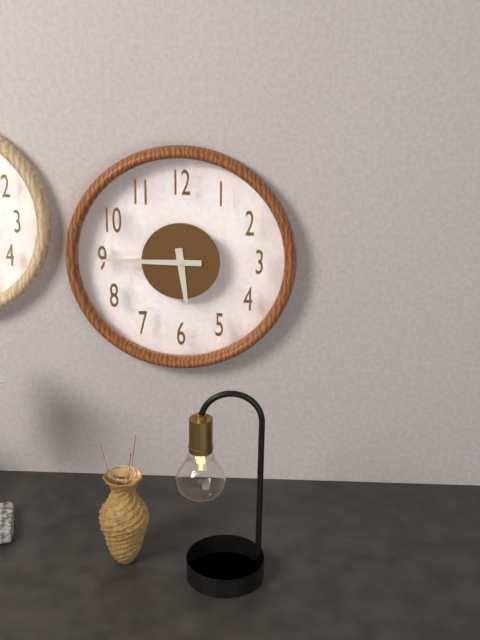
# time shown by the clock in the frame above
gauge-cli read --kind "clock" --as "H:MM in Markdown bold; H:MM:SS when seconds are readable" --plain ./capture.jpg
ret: **5:45**
